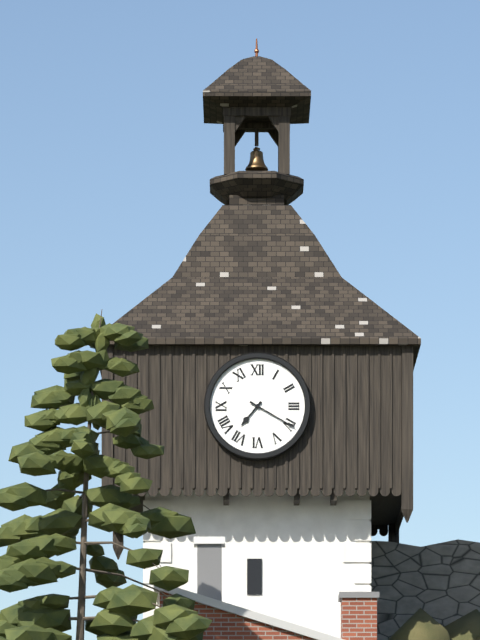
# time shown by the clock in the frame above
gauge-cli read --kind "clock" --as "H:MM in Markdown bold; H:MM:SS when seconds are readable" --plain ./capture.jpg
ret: **7:20**
